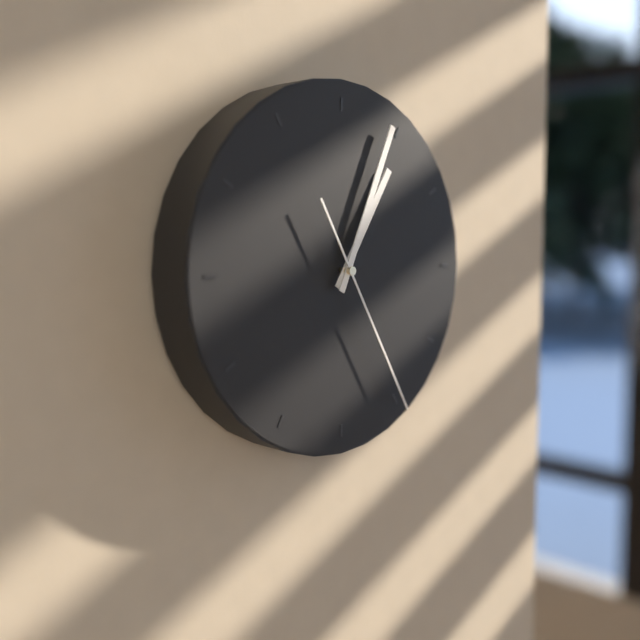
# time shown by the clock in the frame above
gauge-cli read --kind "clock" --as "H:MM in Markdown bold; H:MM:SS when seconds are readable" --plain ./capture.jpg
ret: **1:04:25**
